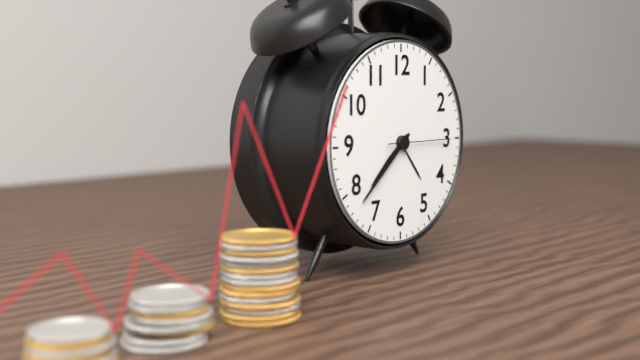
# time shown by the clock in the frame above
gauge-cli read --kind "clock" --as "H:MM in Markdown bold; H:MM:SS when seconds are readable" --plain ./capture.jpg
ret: **7:38:15**
